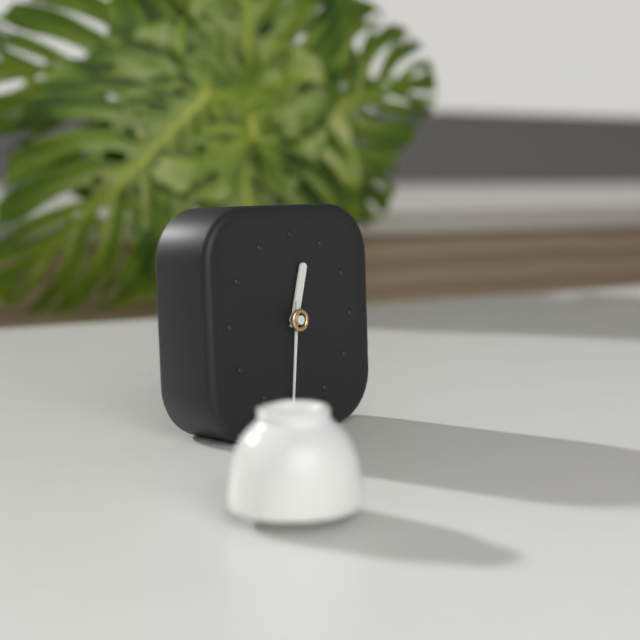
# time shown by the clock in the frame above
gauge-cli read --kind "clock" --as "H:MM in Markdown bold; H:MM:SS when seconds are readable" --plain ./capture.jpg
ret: **12:31**
